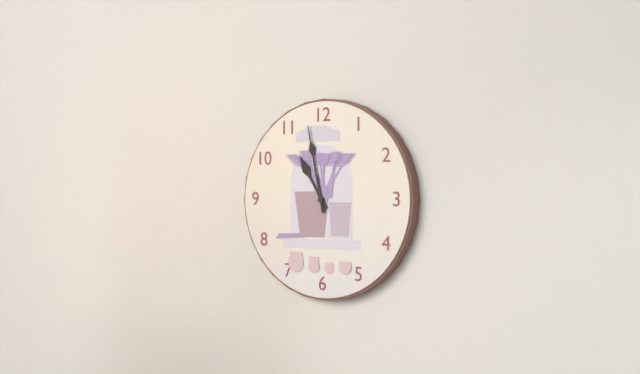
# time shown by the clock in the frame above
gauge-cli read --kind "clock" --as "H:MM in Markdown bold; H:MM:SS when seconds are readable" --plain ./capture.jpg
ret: **10:58**
